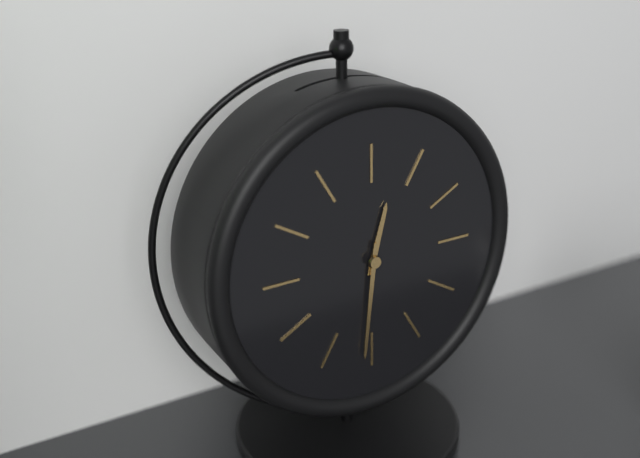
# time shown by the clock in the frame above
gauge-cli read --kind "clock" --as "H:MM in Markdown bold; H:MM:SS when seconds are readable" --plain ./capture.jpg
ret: **12:31**
